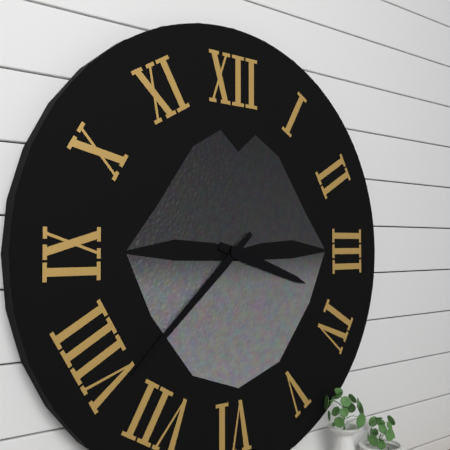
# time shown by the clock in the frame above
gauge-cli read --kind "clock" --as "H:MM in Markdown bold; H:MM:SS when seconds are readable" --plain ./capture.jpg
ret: **3:38**
